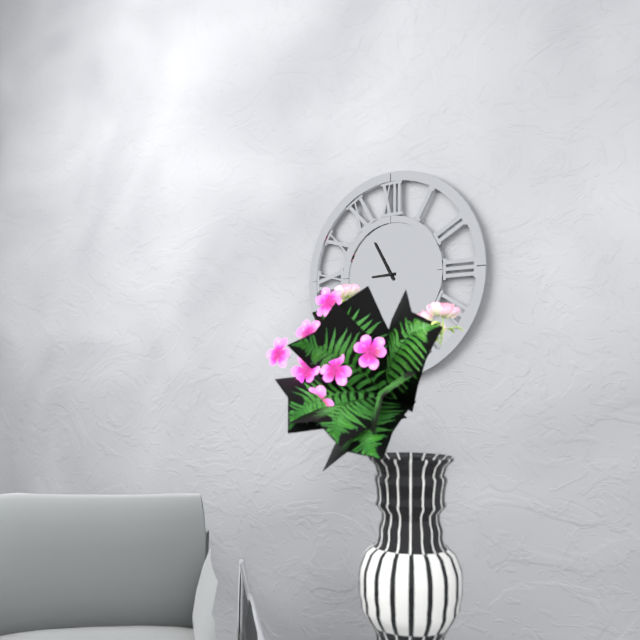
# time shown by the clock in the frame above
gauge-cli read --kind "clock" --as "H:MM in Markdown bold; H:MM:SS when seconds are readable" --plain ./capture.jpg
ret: **8:55**
